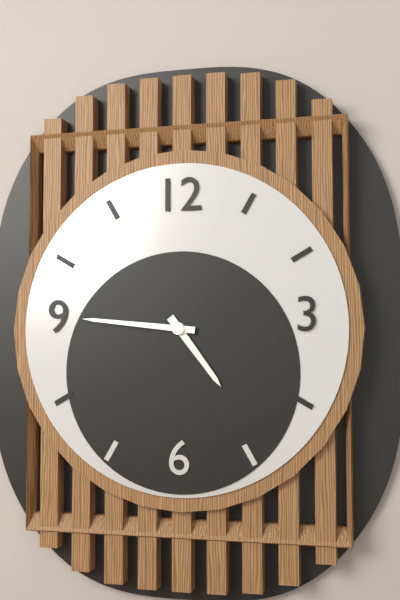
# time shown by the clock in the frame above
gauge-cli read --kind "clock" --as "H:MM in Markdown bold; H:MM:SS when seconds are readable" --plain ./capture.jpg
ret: **4:46**
